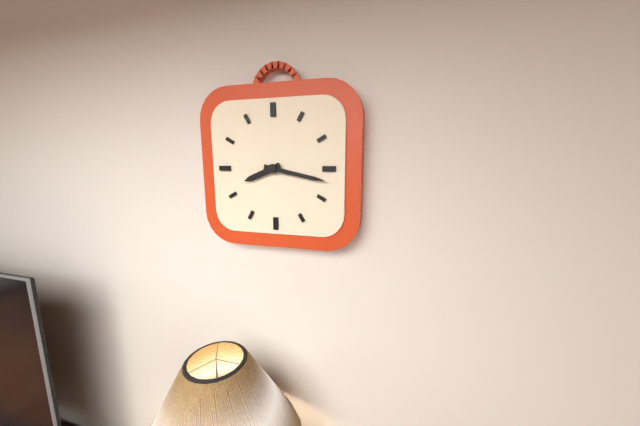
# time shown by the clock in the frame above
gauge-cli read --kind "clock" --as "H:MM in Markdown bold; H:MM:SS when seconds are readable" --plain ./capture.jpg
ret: **8:17**
